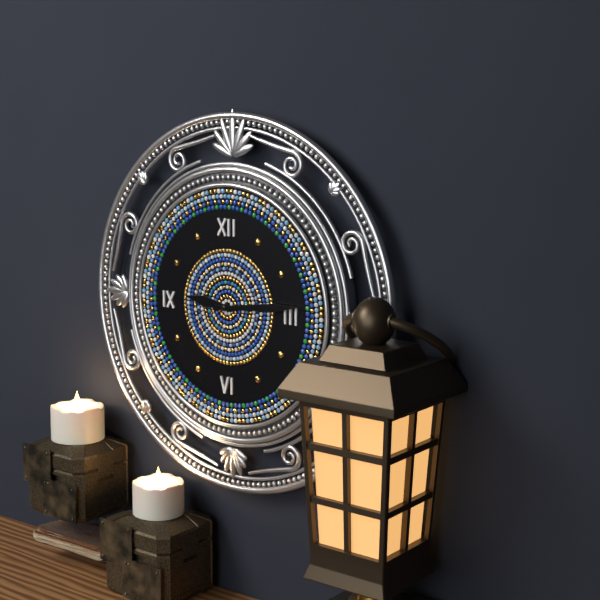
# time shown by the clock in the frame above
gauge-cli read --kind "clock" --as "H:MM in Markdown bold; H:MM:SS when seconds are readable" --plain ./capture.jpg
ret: **9:14**
